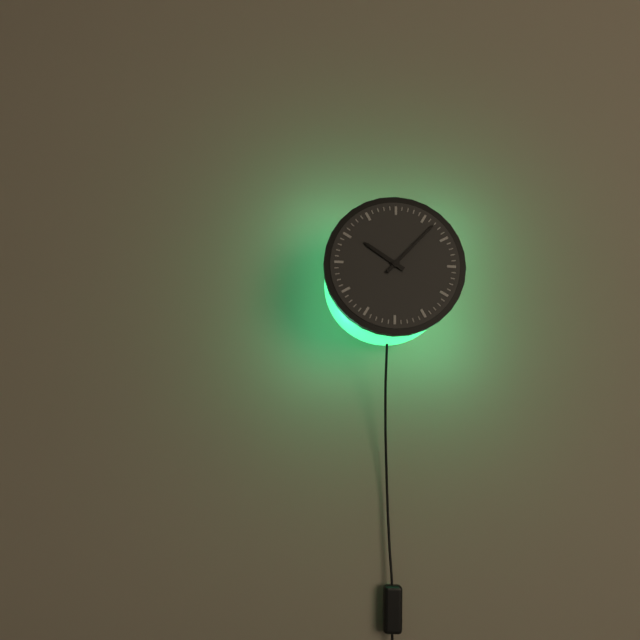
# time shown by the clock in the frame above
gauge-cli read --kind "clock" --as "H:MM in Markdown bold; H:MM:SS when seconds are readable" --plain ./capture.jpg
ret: **10:07**
